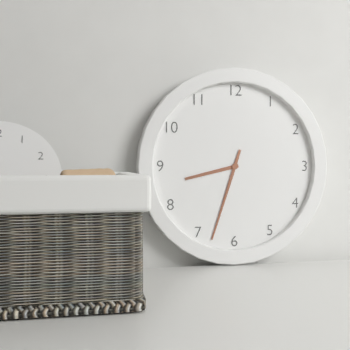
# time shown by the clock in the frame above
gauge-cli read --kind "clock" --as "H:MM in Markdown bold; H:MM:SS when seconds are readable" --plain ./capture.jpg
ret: **8:33**
